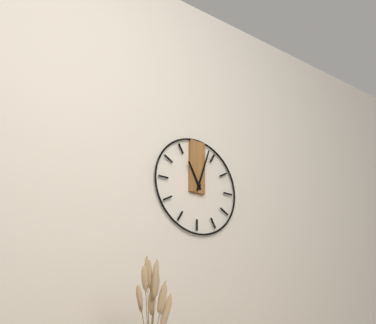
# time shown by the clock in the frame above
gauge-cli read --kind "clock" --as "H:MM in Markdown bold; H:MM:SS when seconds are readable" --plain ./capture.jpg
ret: **11:03**
